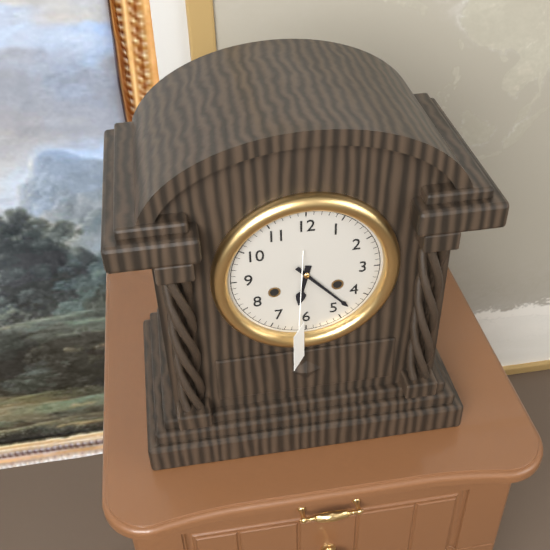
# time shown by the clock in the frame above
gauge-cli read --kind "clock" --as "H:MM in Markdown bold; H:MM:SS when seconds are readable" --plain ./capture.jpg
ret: **6:23**
